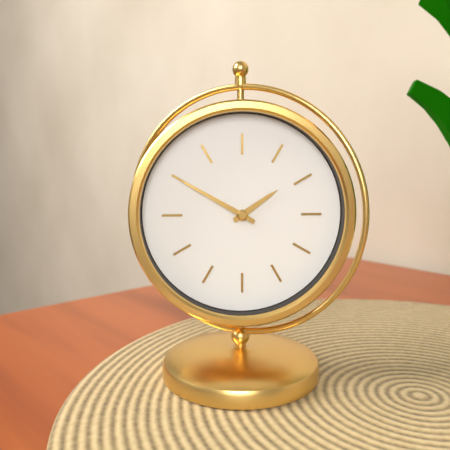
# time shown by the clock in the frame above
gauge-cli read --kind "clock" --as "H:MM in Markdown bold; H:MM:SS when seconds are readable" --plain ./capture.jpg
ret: **1:50**
